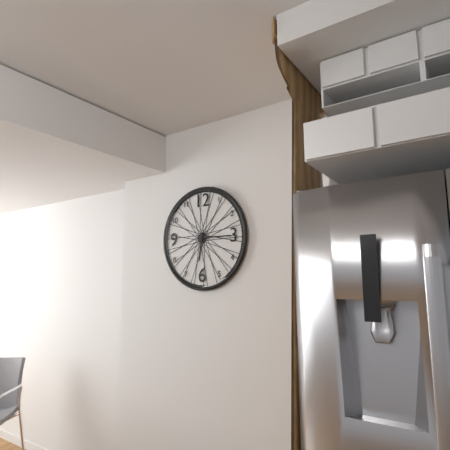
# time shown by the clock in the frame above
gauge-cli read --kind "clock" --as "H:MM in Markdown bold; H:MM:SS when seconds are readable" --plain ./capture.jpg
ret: **6:15**
